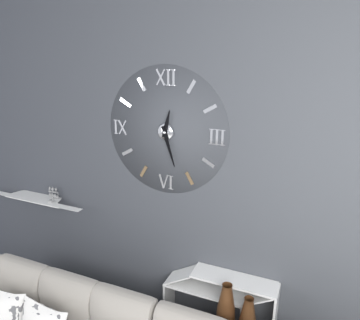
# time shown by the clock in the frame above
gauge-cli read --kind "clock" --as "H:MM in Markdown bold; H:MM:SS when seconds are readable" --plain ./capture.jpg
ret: **12:27**
